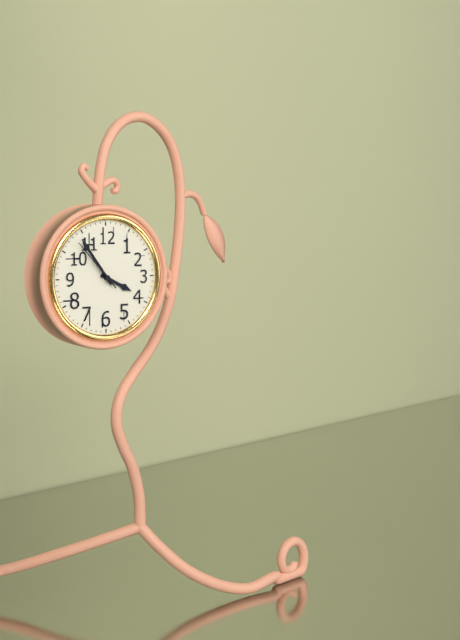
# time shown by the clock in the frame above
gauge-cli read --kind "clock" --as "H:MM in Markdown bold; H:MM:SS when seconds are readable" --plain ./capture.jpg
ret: **3:54:53**
